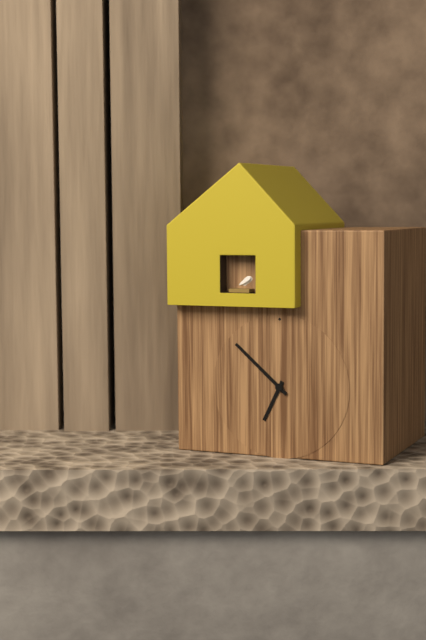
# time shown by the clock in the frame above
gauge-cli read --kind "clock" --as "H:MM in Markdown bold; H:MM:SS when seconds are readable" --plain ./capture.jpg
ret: **6:52**
